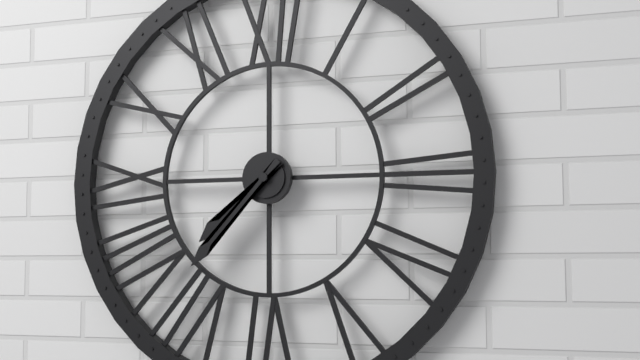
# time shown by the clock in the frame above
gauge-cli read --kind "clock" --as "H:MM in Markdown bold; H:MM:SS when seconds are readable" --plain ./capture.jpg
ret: **7:37**
